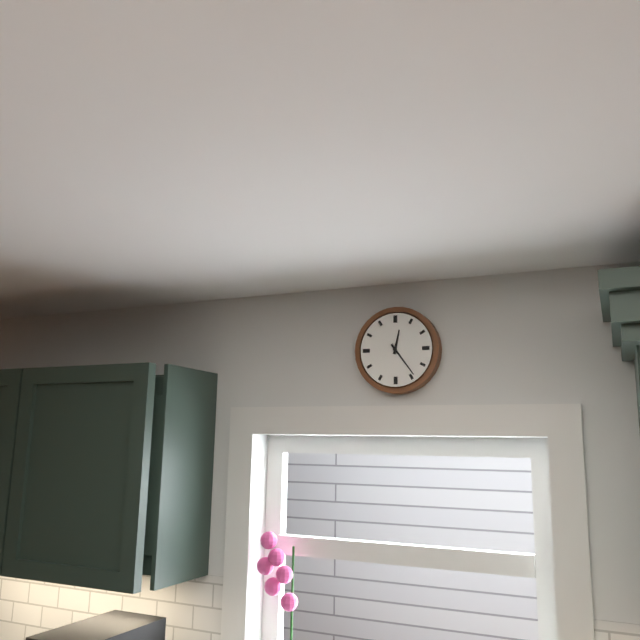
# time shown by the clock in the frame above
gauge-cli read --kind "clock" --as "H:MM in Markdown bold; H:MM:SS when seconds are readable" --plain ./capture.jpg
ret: **12:24**
